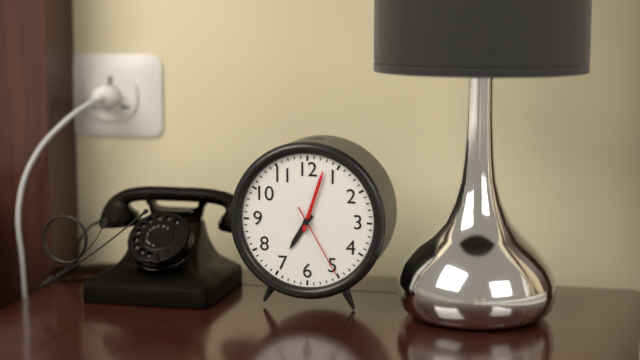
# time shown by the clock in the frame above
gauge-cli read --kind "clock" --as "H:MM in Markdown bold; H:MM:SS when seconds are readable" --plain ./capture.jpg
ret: **7:03:25**
